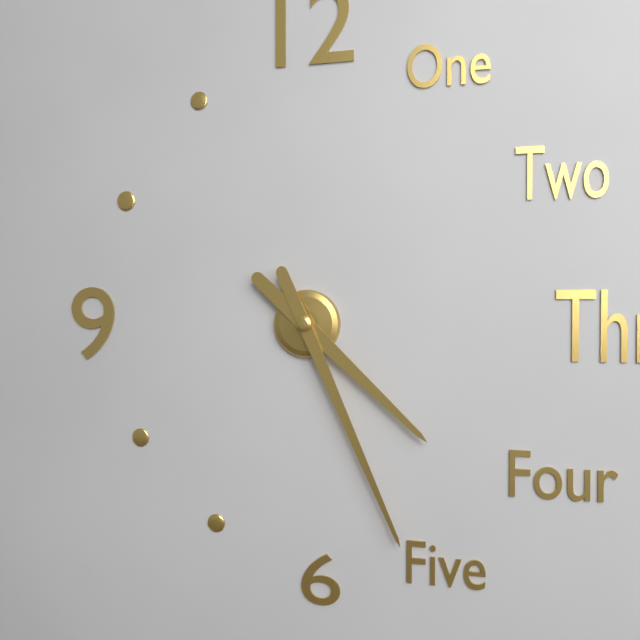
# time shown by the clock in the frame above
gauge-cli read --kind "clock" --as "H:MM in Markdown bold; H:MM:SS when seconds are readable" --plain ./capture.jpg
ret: **4:26**
